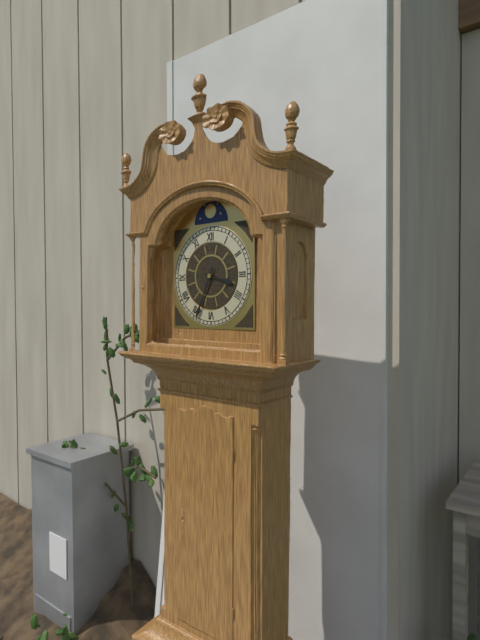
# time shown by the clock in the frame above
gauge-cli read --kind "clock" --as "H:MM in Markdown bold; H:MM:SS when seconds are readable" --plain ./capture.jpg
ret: **3:34**
